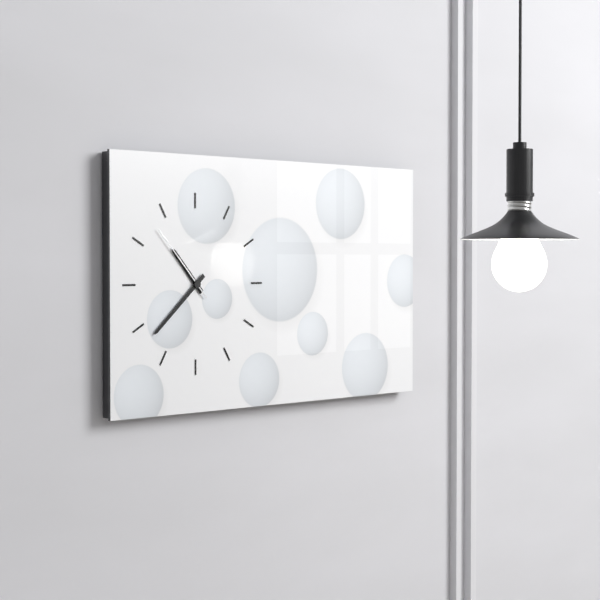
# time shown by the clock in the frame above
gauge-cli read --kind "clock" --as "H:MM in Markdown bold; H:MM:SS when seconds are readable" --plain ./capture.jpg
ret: **10:38:53**
